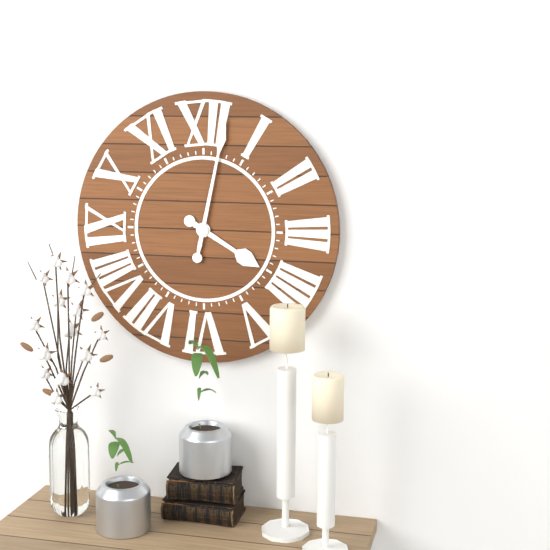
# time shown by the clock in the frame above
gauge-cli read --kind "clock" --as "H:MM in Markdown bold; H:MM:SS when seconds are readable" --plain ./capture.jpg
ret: **4:02**
